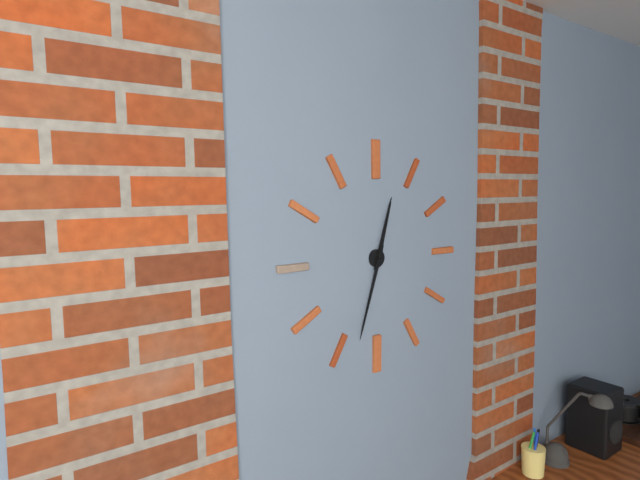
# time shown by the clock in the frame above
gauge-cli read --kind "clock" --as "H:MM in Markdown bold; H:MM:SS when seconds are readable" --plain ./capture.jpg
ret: **12:33**
